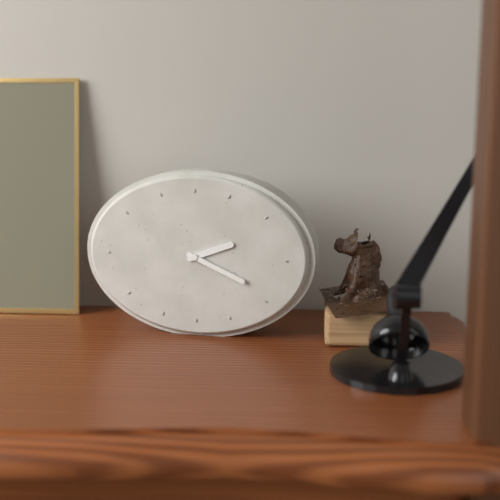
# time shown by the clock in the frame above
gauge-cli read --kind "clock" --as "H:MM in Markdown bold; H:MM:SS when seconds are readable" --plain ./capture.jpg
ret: **2:19**
